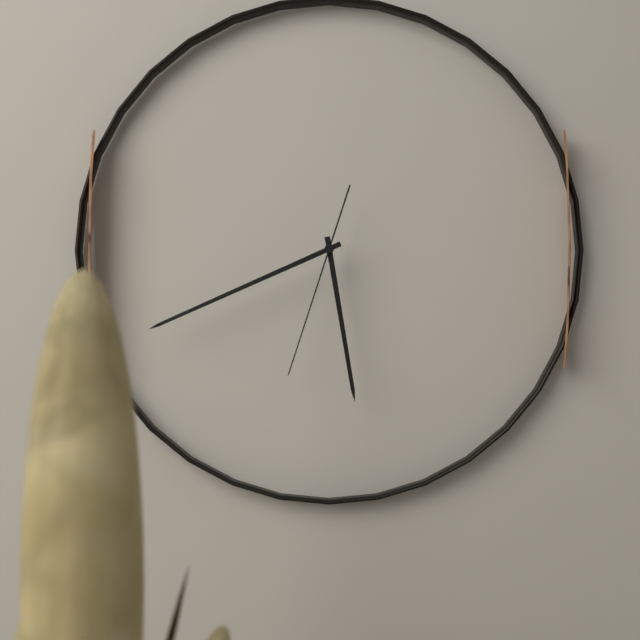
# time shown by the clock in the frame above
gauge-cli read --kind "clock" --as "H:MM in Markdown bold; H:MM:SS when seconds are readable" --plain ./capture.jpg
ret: **5:41:33**
